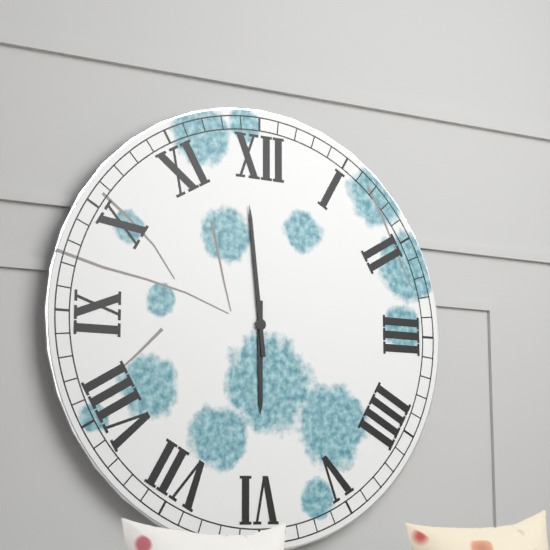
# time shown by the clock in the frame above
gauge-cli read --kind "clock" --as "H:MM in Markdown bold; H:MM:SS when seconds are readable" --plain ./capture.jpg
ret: **5:59**
